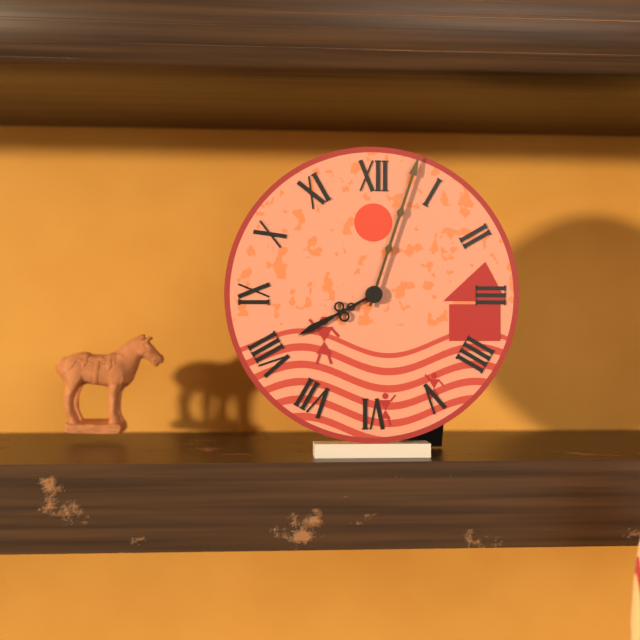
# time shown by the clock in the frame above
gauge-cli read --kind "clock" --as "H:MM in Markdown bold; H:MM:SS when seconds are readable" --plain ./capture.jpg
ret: **8:03**
